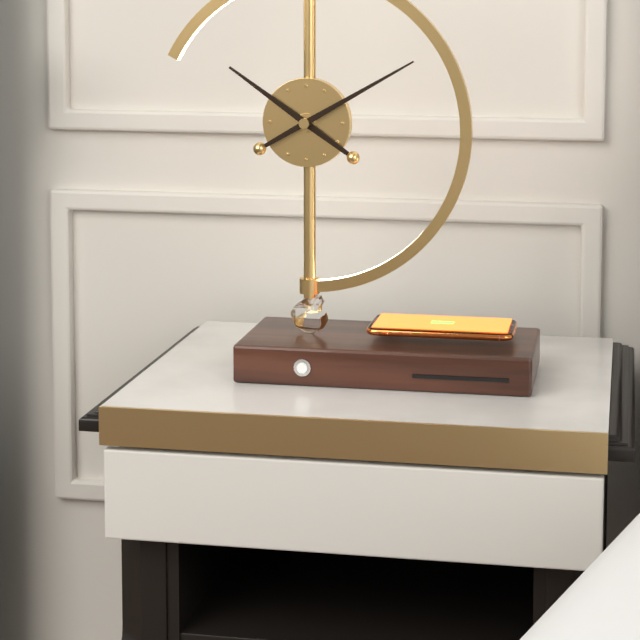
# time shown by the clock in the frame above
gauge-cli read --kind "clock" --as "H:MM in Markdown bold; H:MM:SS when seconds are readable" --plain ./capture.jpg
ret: **10:10**
